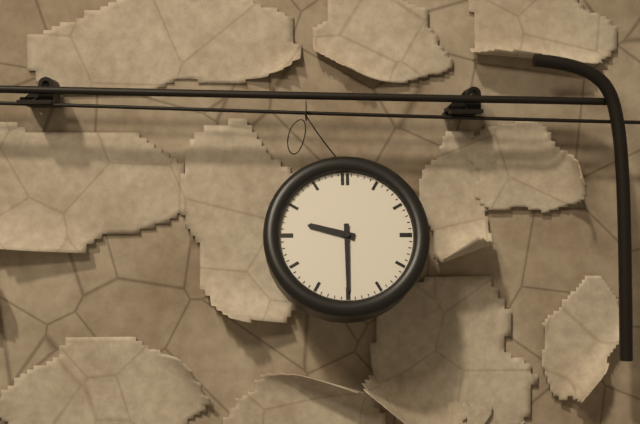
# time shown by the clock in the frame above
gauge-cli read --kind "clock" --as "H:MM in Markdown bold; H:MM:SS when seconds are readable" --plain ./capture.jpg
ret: **9:30**
